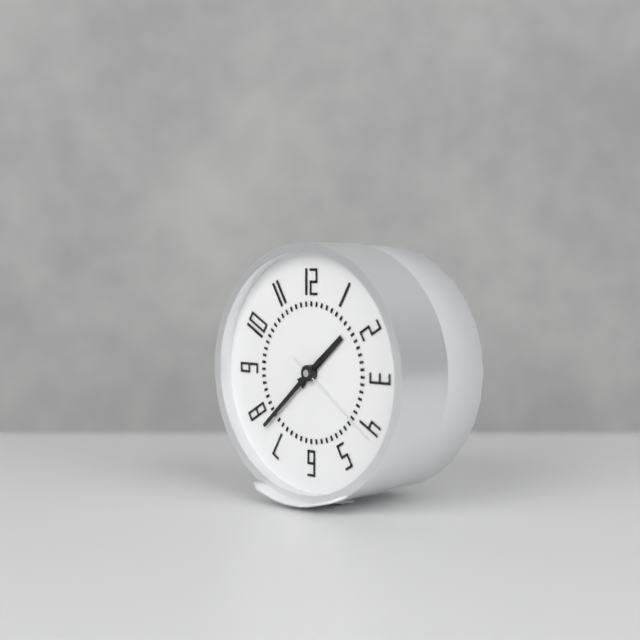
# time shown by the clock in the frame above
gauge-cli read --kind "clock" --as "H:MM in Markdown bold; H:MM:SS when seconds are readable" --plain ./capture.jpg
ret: **1:38:21**
